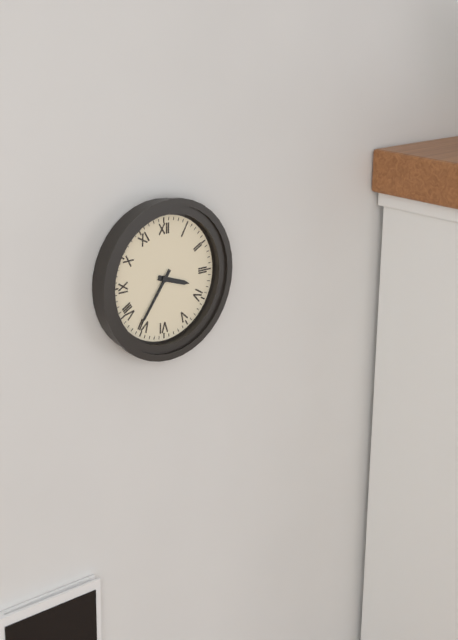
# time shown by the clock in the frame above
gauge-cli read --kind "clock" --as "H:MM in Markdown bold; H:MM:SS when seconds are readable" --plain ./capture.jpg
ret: **3:36**
